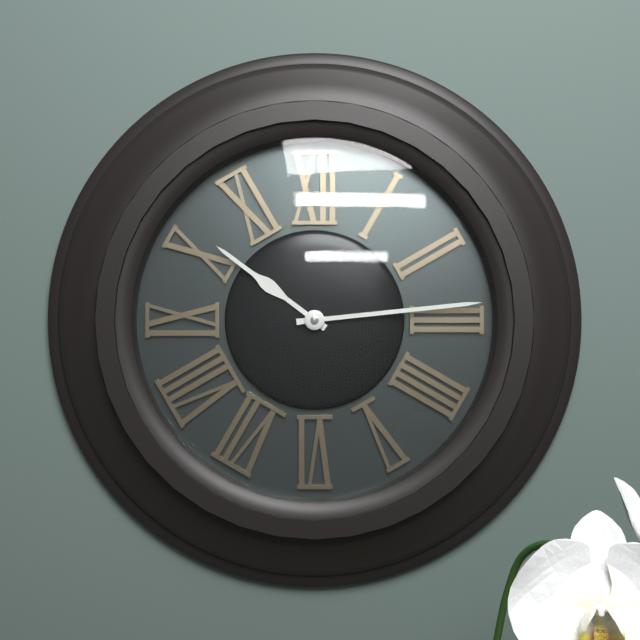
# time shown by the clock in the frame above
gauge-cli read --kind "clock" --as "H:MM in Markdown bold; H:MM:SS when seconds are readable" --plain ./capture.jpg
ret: **10:14**
